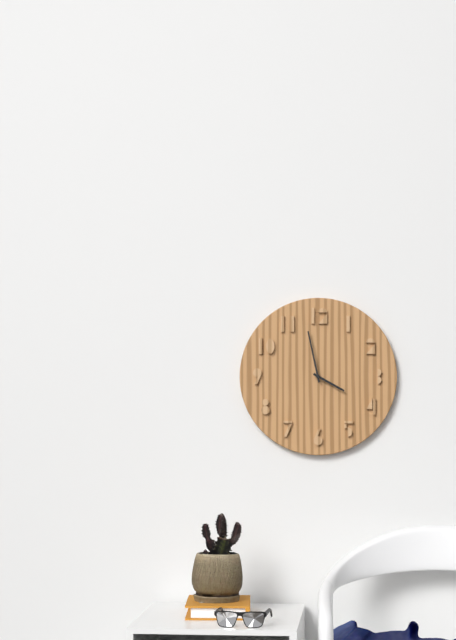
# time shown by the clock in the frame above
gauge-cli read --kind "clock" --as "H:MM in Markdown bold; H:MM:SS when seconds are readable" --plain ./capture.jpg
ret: **3:58**
